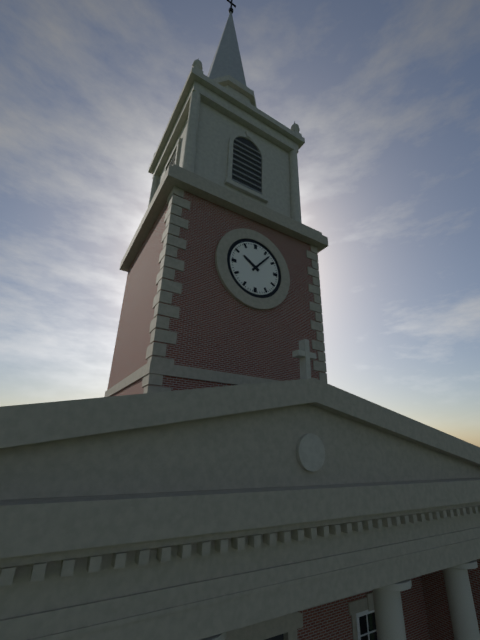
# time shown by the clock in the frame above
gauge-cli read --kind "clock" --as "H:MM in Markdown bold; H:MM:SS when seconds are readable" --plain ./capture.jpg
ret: **10:07**
